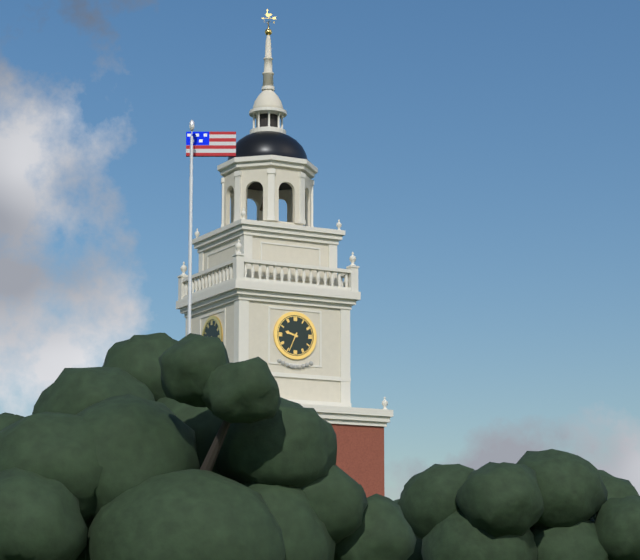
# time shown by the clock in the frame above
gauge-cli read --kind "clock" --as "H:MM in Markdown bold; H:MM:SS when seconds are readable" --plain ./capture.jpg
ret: **9:34**
